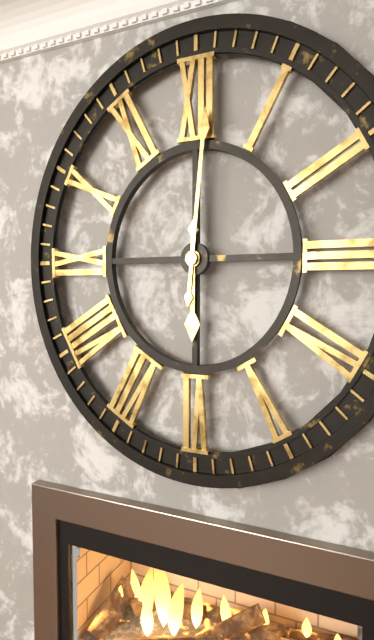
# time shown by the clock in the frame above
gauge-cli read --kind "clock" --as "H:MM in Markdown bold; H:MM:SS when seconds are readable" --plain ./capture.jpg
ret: **6:01**
